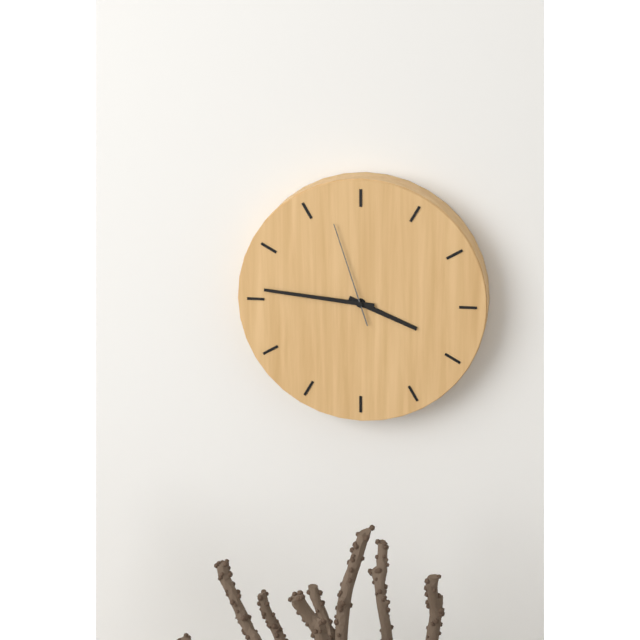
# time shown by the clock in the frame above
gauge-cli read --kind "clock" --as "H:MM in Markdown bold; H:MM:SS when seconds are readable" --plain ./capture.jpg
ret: **3:46:57**
